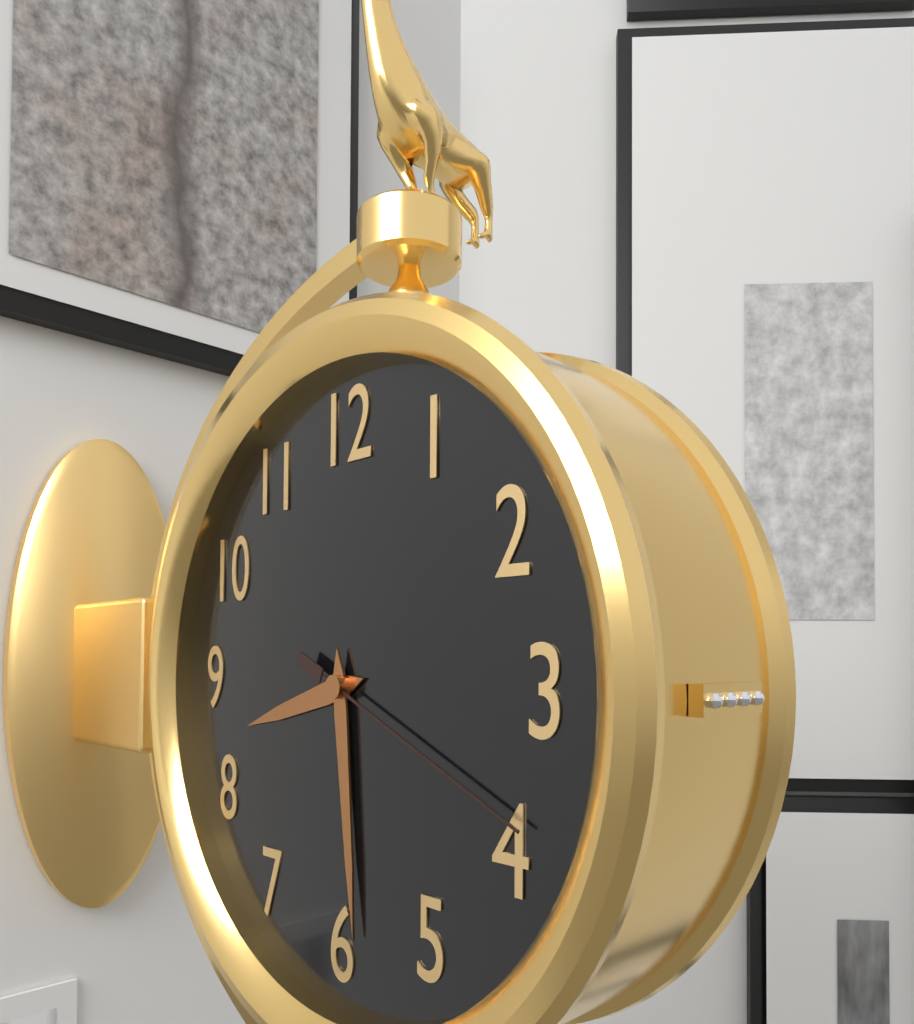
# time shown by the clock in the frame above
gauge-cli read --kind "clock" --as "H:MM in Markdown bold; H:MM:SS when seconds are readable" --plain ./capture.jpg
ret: **8:29:19**
